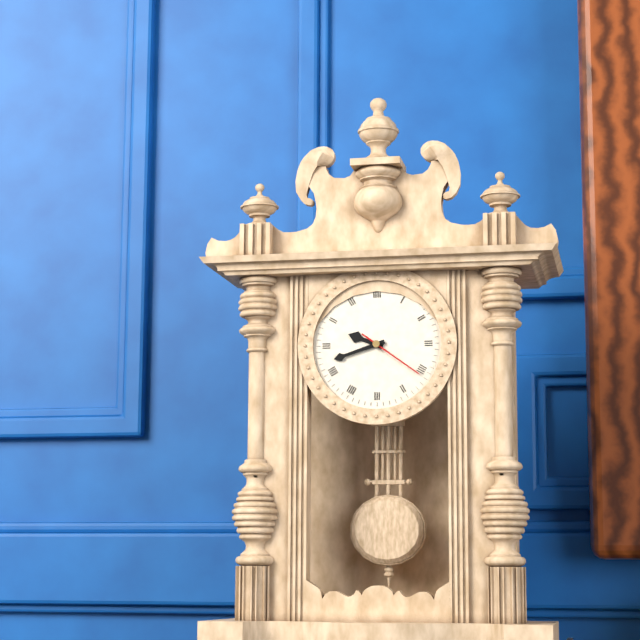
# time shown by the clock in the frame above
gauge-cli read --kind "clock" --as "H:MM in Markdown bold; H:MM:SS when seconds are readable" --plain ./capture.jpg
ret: **9:42:21**
